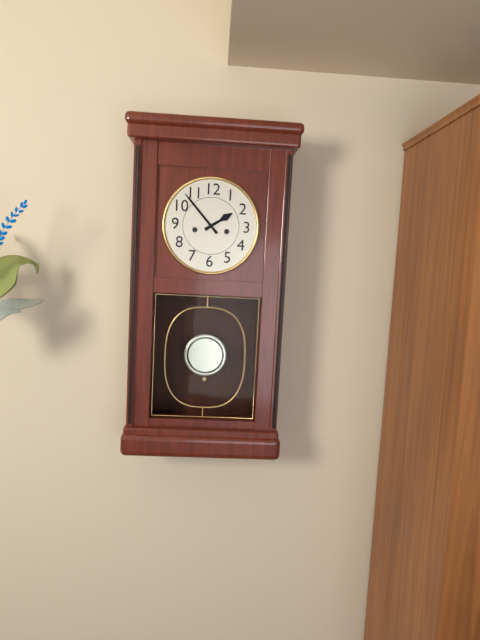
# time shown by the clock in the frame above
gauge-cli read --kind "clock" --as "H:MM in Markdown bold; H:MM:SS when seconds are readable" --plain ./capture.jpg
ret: **1:53**
